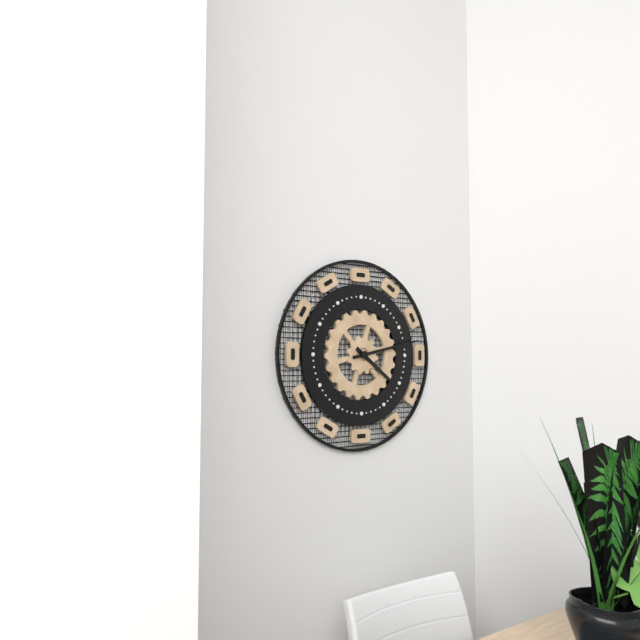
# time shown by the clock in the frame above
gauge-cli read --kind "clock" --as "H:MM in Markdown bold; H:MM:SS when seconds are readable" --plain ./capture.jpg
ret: **4:13**
